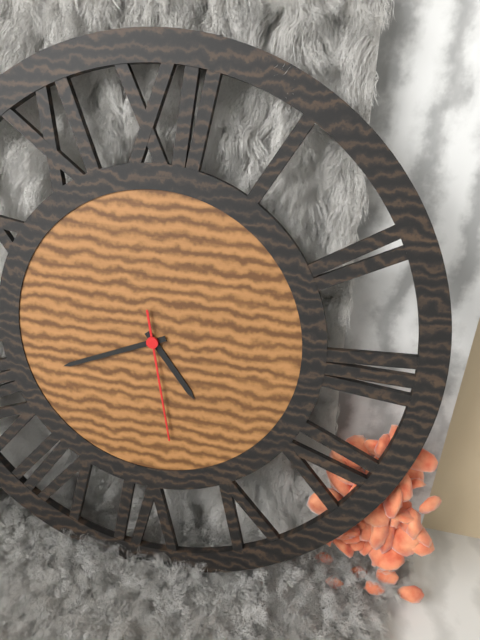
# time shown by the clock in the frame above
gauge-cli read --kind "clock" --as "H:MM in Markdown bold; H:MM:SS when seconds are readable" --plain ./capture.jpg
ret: **4:41:28**
